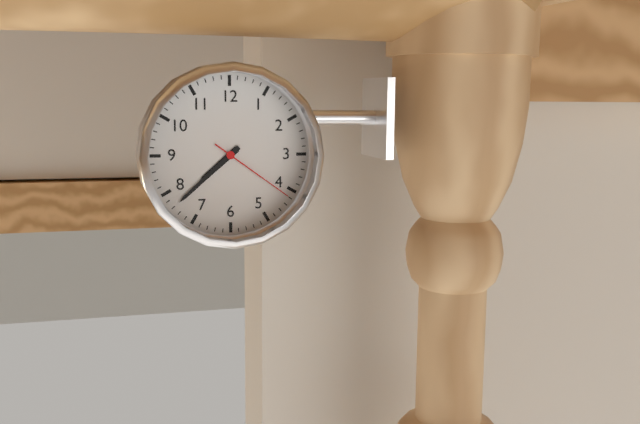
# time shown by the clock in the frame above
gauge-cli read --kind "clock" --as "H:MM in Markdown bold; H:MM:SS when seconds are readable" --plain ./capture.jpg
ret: **7:38:21**
